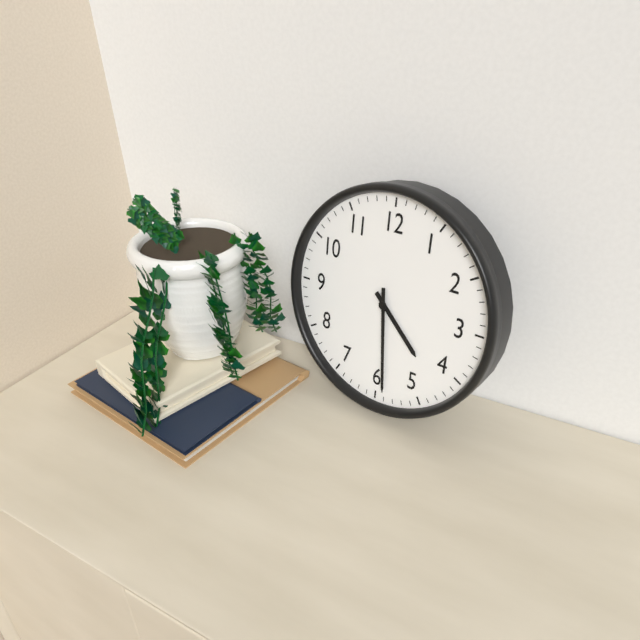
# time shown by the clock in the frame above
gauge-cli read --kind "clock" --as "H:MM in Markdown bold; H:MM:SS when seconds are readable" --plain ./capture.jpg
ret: **4:29**
